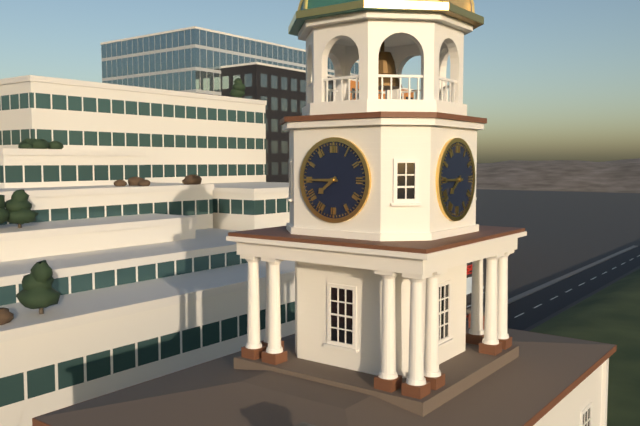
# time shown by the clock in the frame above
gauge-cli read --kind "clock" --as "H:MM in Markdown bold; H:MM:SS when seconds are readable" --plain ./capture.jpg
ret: **7:45**
